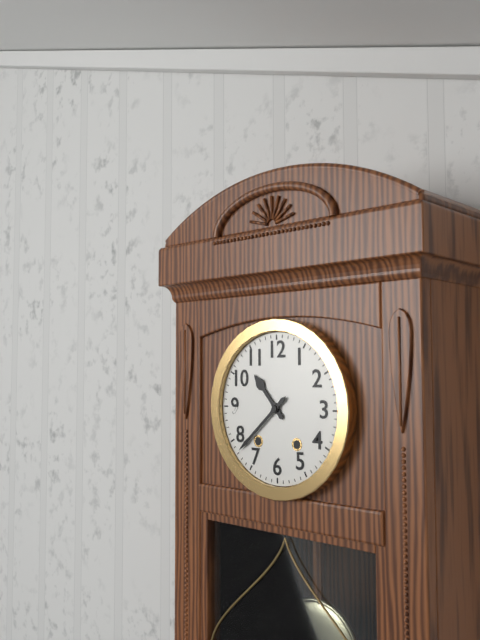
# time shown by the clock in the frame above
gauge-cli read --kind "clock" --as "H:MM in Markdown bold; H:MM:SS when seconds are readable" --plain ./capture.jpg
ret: **10:38**
